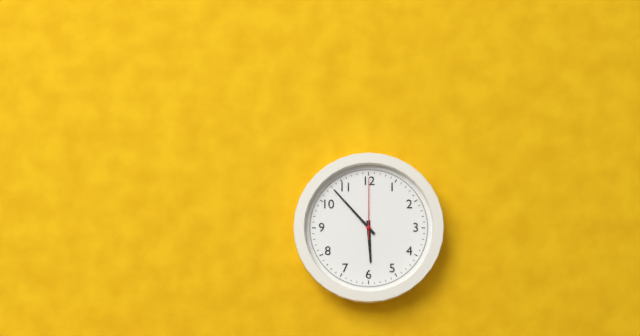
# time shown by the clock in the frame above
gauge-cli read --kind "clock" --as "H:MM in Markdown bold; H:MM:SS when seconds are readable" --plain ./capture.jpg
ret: **5:53:00**
